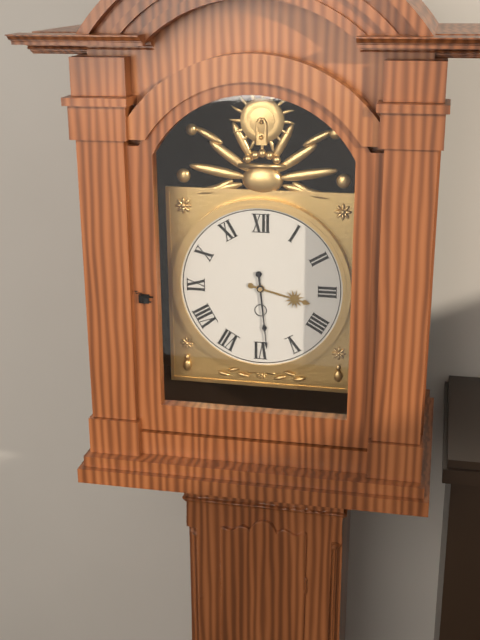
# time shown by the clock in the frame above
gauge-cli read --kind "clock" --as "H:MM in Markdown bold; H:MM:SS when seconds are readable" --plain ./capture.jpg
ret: **3:29**
